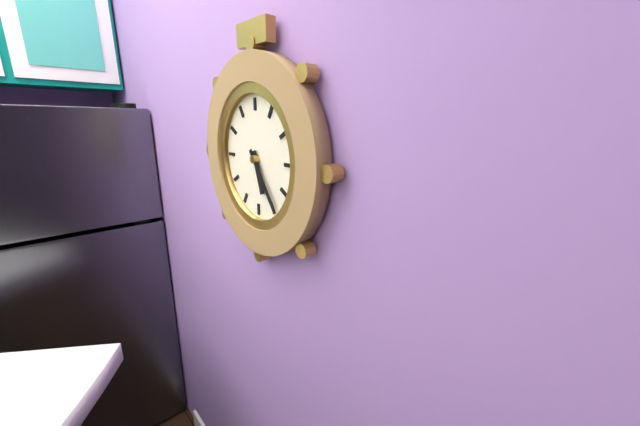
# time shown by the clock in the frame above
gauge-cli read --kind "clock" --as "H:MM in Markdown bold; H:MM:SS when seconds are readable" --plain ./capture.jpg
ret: **5:24**
